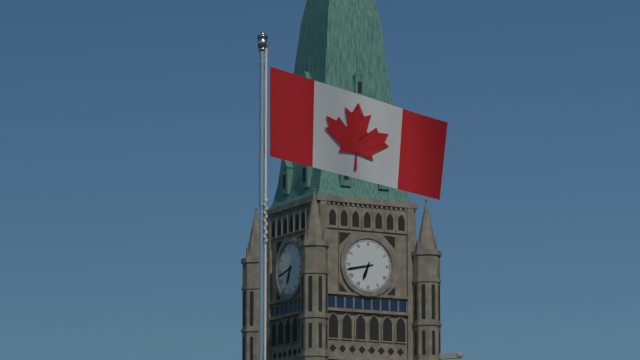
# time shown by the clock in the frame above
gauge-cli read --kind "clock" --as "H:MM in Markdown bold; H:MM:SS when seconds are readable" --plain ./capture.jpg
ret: **6:43**
